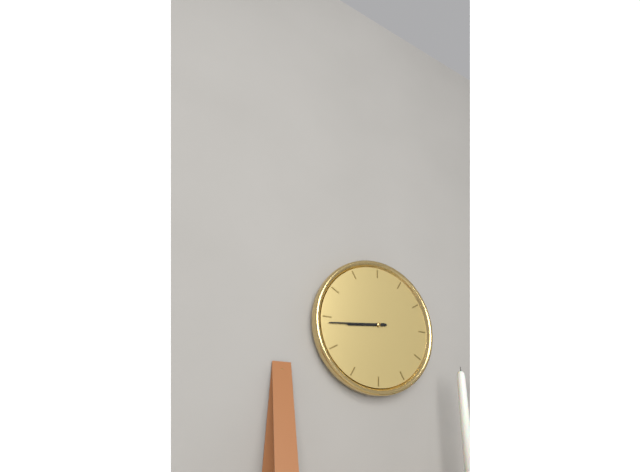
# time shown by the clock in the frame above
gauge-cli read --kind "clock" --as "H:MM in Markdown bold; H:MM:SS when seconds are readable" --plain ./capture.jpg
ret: **8:44**
